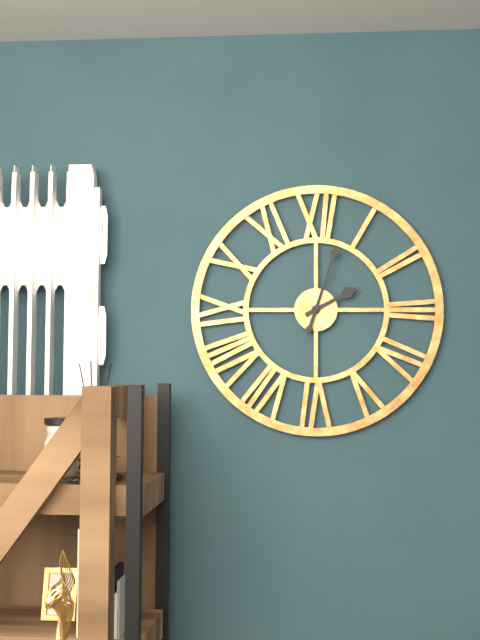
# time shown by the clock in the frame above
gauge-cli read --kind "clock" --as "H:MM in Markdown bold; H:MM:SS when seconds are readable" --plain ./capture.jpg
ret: **2:03**
